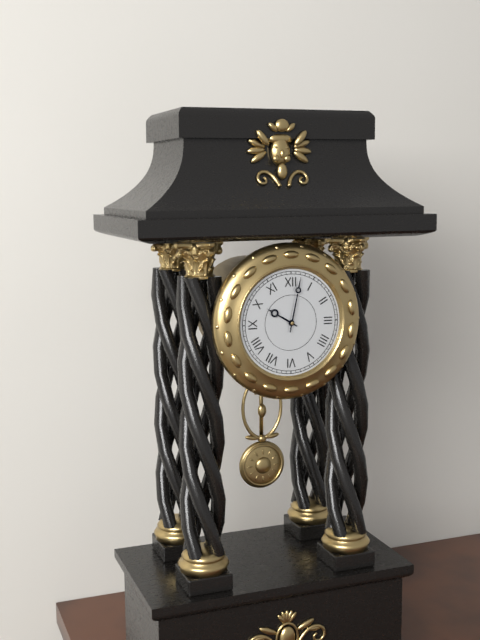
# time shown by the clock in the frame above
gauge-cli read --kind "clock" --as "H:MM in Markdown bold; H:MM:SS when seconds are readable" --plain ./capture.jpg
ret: **10:02**
